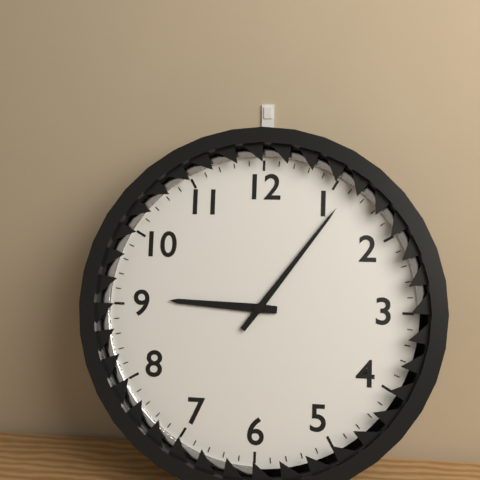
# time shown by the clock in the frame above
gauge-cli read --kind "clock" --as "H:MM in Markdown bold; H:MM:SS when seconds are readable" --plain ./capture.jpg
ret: **9:06**
